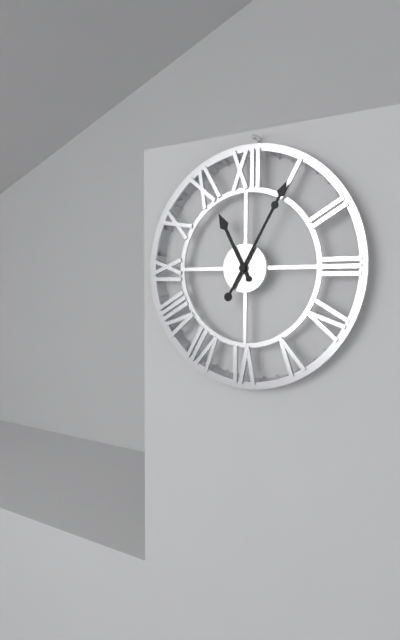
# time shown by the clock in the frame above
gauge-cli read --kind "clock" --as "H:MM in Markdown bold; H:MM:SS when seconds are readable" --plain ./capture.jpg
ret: **11:05**
